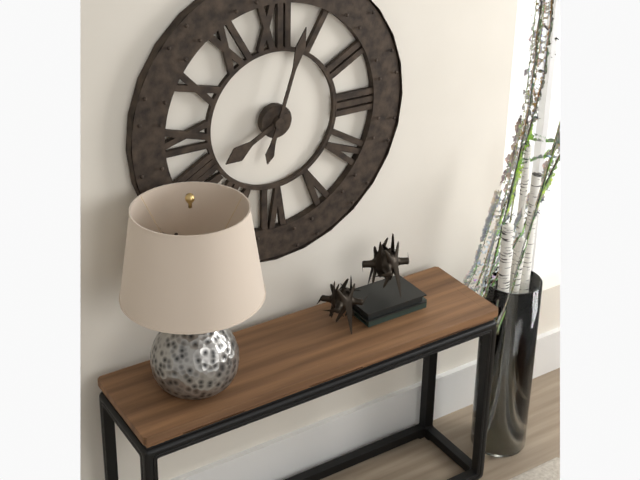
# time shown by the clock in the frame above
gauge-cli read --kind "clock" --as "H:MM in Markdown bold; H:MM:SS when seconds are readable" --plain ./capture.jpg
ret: **8:03**
